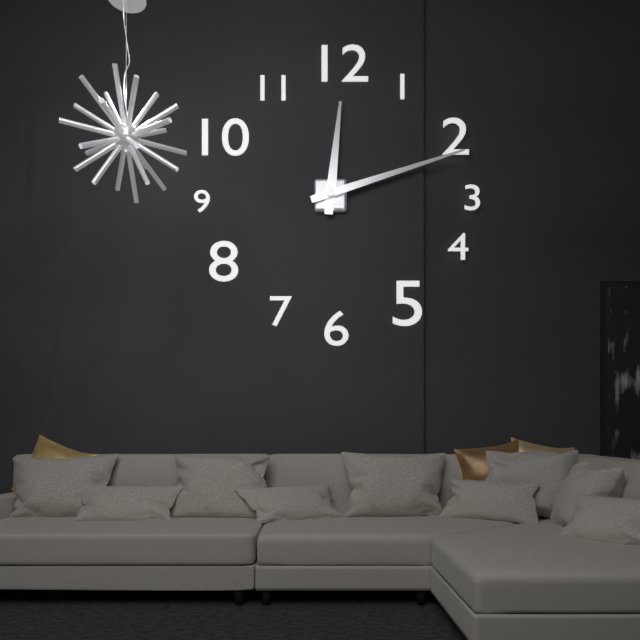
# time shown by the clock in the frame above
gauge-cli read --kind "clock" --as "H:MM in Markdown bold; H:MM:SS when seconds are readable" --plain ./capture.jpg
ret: **12:12**
